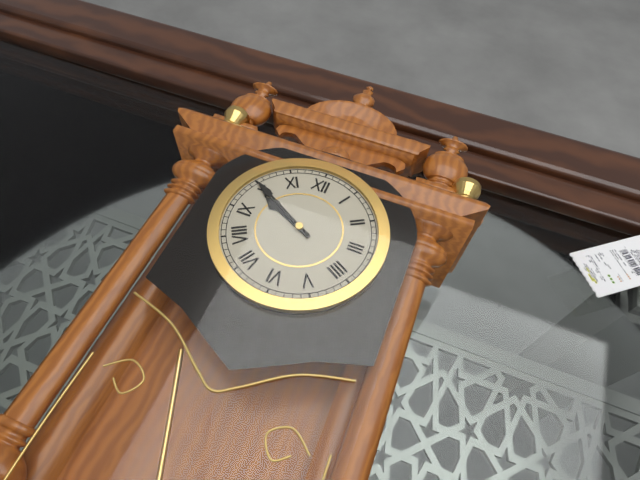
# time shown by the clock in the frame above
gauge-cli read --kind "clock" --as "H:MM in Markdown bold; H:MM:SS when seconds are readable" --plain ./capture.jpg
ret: **9:50**
